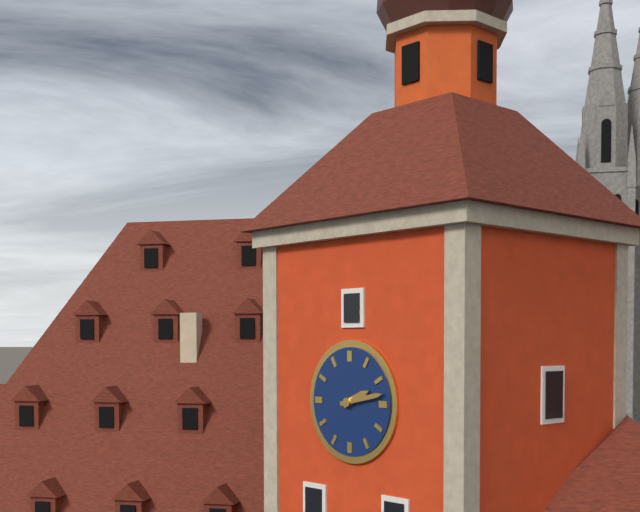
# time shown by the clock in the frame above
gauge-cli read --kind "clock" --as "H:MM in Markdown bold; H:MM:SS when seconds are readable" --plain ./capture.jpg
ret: **2:13**
